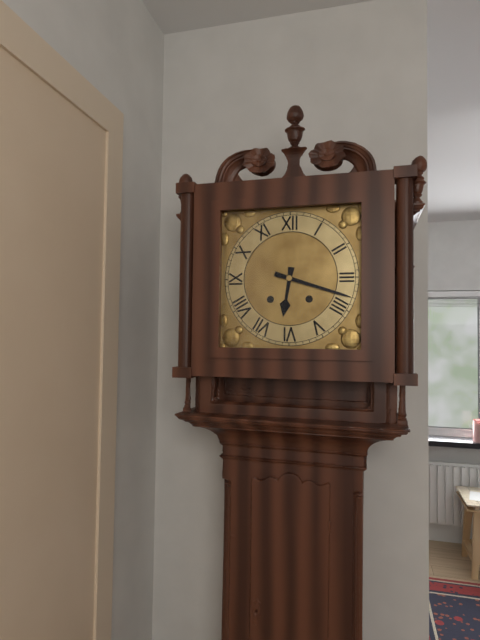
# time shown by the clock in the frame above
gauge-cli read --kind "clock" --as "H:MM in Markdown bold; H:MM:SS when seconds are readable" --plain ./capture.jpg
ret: **6:18**
